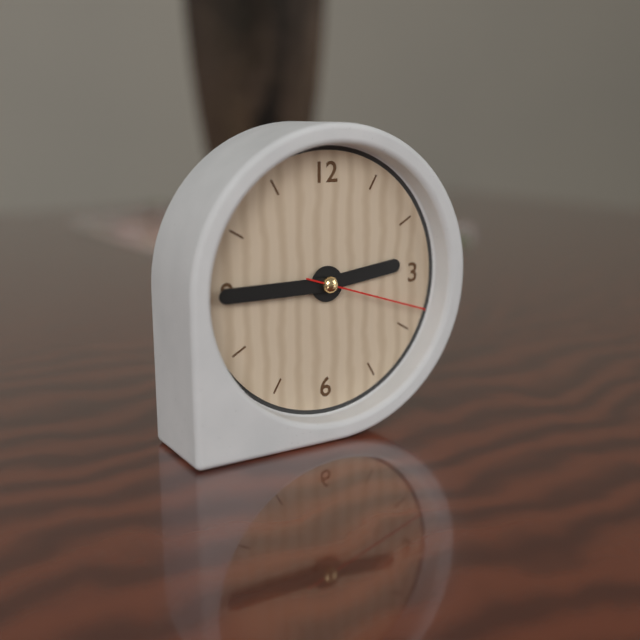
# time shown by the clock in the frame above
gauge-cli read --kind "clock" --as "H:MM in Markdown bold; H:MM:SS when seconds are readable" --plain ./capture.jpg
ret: **2:45:18**
